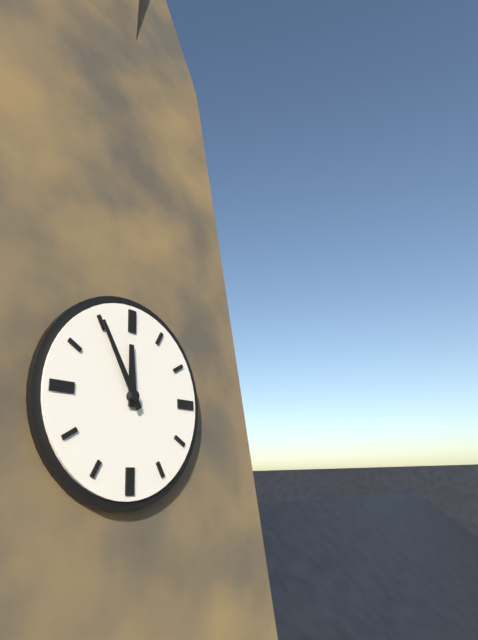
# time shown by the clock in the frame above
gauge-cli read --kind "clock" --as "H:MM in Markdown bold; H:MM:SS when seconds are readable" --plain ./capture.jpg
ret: **11:55**
